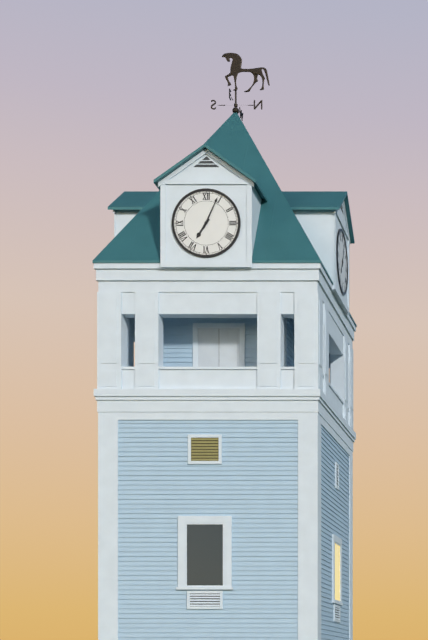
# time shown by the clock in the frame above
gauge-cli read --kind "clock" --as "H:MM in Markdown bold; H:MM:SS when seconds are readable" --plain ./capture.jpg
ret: **7:04**
